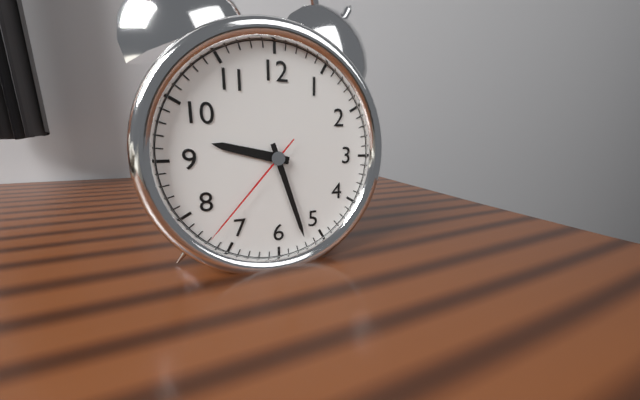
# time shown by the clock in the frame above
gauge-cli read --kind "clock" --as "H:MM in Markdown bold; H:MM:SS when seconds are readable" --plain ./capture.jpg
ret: **9:27:37**
